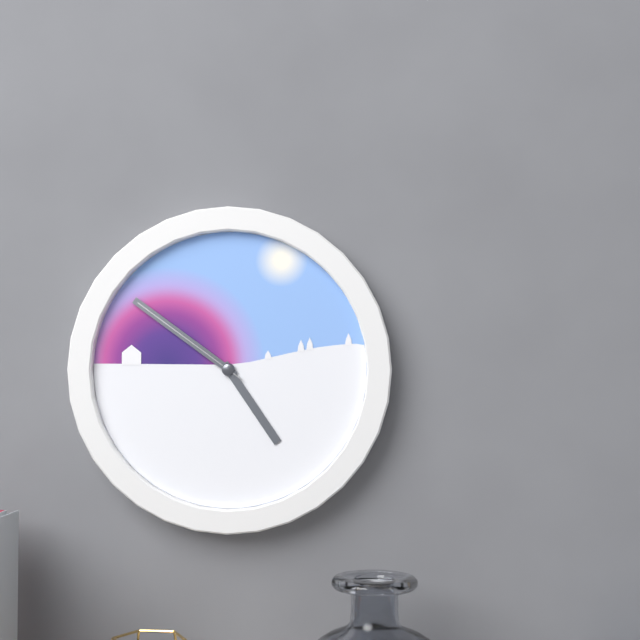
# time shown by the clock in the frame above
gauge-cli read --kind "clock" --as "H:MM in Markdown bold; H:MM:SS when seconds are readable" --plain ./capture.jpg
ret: **4:51:51**
